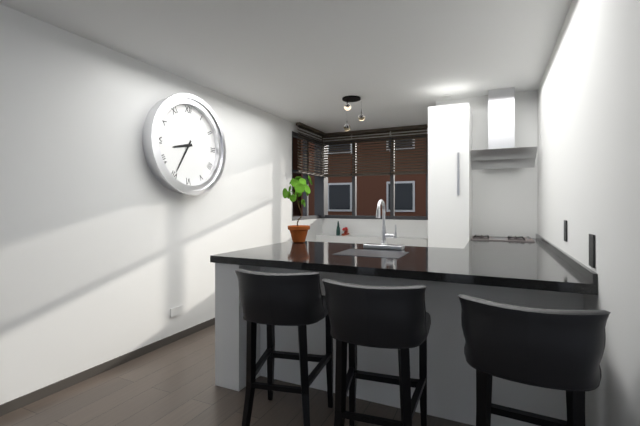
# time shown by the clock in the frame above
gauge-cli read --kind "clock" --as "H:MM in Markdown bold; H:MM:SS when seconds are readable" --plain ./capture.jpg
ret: **8:35**
